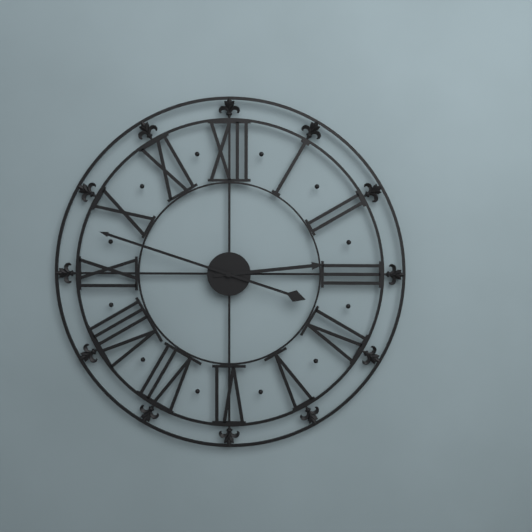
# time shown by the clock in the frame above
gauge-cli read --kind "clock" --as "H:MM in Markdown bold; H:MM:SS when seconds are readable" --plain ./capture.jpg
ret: **2:48**
